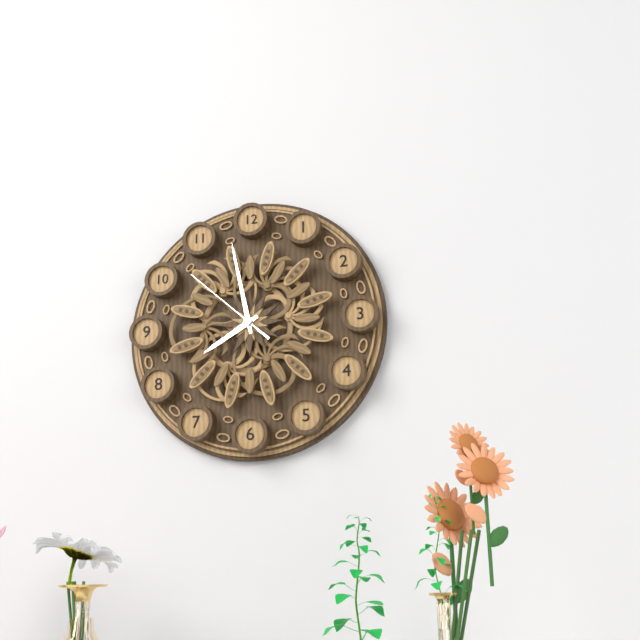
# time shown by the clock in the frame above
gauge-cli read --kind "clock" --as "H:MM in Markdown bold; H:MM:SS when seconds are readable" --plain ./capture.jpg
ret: **7:58:52**
